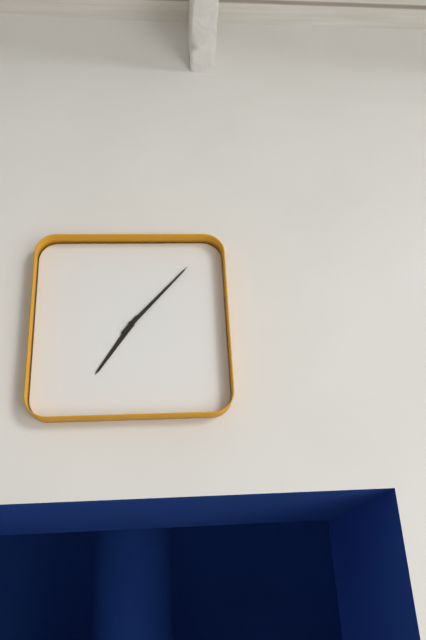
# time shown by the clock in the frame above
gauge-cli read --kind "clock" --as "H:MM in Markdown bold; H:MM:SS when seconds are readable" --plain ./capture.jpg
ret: **7:07**
